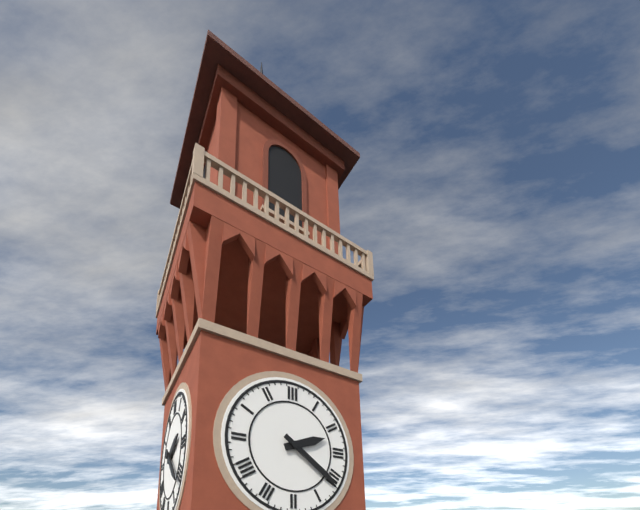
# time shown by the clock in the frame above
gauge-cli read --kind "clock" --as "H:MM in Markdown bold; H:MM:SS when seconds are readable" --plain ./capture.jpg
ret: **2:21**
